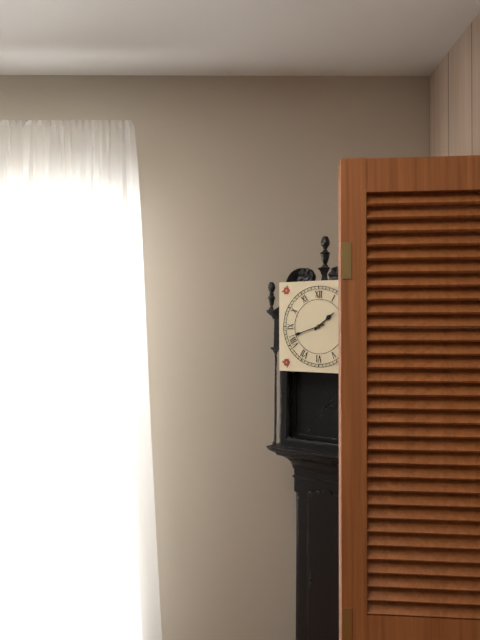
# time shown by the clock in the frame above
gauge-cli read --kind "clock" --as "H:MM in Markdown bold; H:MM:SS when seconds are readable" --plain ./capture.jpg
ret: **1:42**
